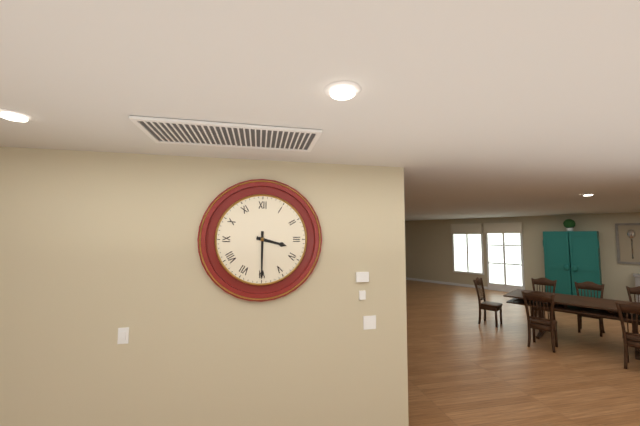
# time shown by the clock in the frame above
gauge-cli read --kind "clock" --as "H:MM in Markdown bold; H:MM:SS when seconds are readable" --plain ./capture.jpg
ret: **3:30**
